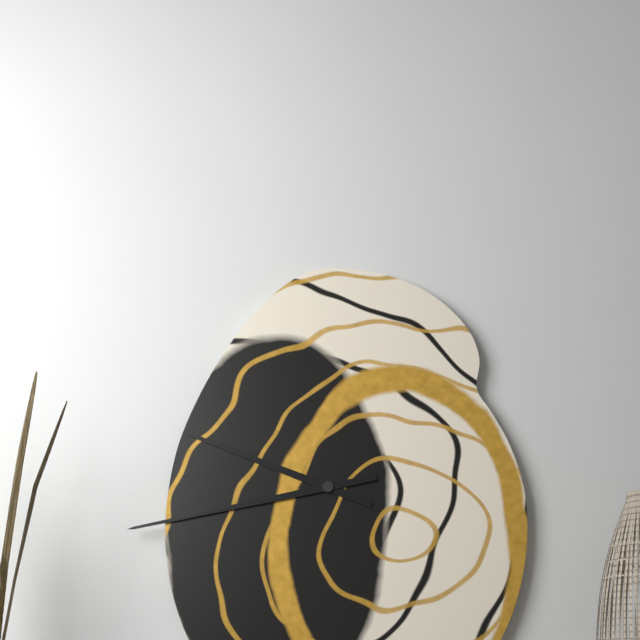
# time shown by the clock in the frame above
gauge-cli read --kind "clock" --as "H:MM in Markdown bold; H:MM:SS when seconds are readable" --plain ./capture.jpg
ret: **9:43**
